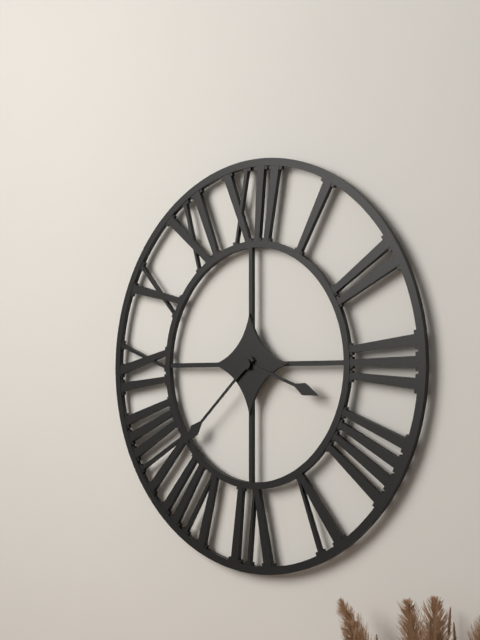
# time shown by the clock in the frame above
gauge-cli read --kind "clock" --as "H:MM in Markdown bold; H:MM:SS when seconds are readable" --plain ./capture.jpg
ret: **3:38**
